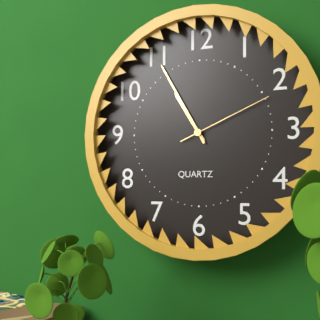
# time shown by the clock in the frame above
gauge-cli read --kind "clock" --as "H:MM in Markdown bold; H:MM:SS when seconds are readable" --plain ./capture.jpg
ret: **10:55:11**
